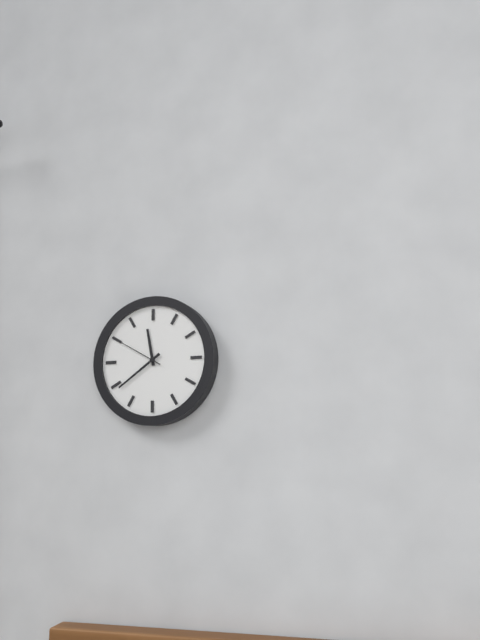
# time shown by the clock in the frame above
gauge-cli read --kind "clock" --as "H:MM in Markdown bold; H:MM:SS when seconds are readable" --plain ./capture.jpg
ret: **11:39**
